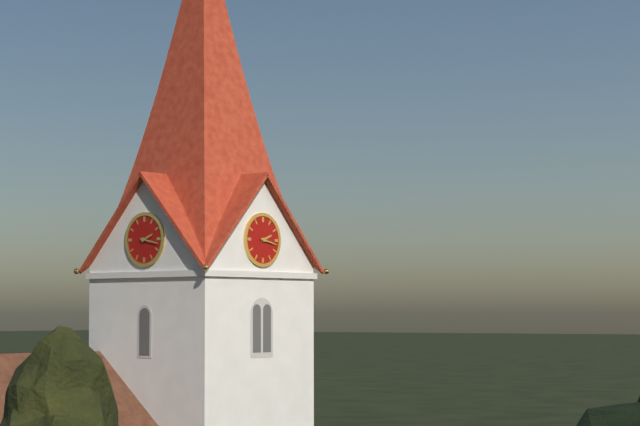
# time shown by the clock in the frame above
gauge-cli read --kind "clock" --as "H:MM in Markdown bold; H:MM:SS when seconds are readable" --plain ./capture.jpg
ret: **2:17**
